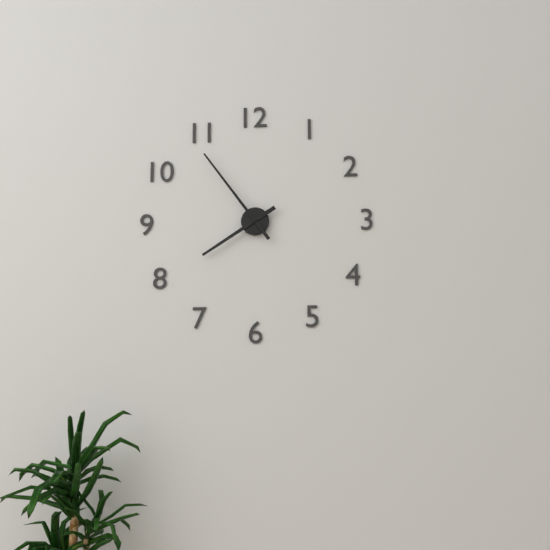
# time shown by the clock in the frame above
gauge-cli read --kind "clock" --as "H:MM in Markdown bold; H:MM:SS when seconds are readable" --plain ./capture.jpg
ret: **7:54**
